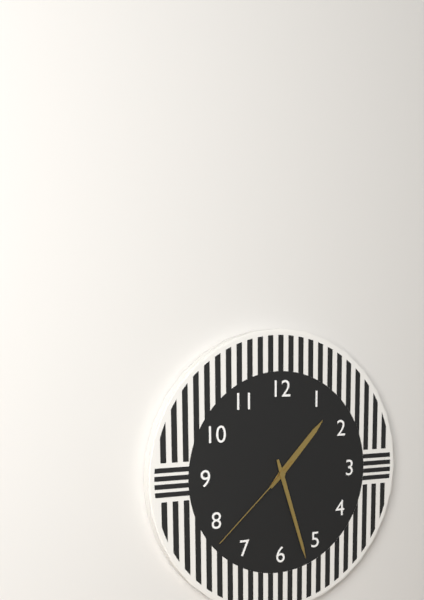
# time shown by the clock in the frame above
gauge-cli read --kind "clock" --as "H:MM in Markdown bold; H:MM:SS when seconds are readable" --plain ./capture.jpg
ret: **1:27:38**
